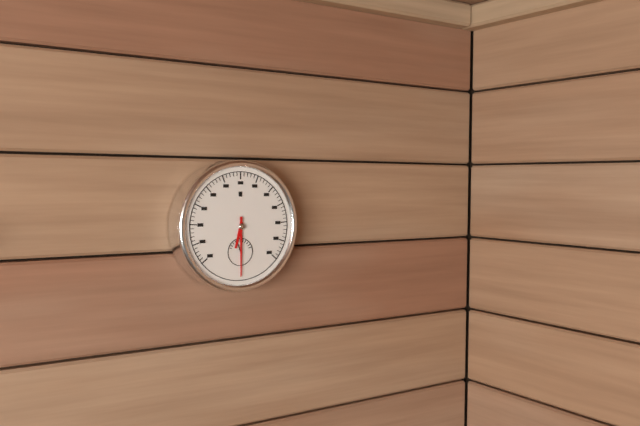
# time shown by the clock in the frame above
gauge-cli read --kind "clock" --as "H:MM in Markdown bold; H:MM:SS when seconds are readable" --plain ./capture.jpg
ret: **6:30**
